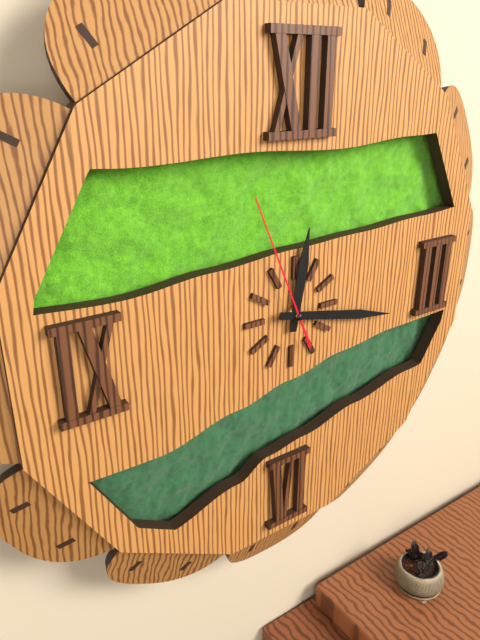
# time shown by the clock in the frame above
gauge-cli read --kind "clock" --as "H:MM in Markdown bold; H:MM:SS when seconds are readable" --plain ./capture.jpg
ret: **12:17:56**
